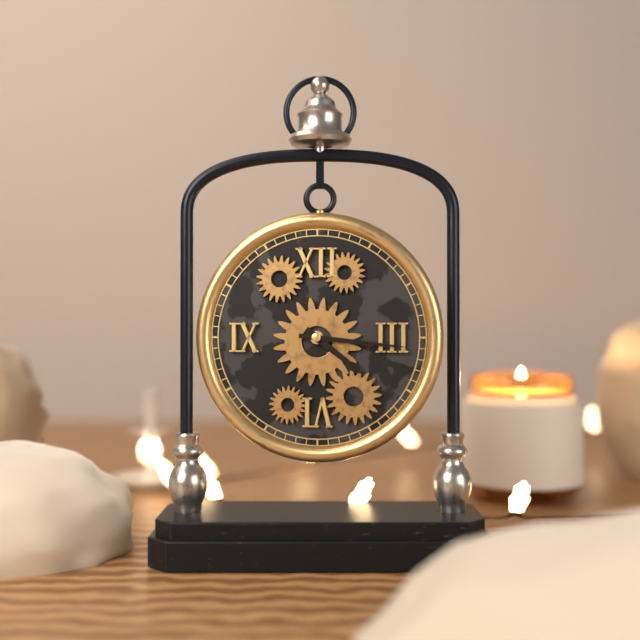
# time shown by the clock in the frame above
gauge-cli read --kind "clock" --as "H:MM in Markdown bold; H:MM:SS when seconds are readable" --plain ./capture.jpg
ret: **4:16**
